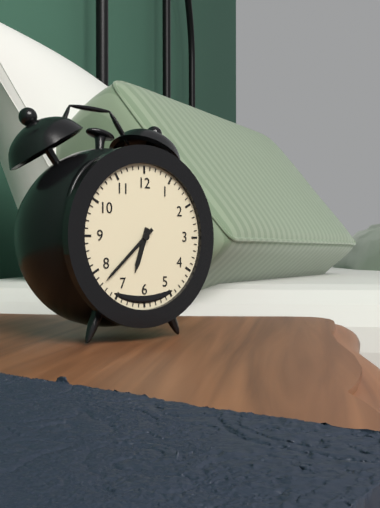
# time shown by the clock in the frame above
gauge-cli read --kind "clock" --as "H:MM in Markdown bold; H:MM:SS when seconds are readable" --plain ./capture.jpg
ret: **6:38**
